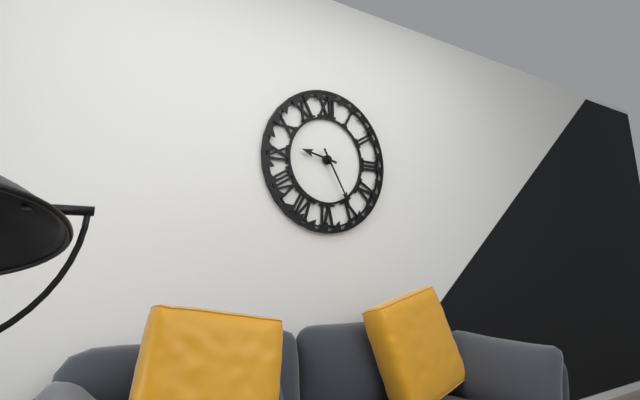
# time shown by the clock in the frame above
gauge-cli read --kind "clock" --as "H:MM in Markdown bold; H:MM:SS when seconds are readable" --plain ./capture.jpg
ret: **9:25**
